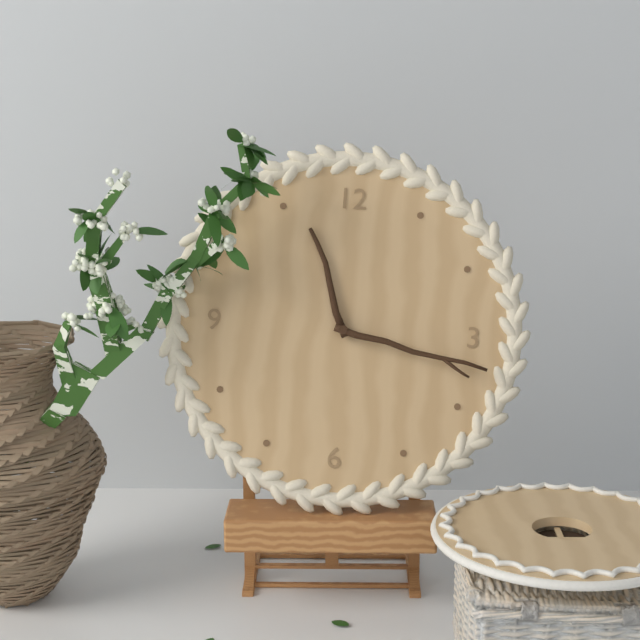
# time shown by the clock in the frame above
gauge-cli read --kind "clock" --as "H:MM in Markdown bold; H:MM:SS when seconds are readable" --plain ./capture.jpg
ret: **11:17**
